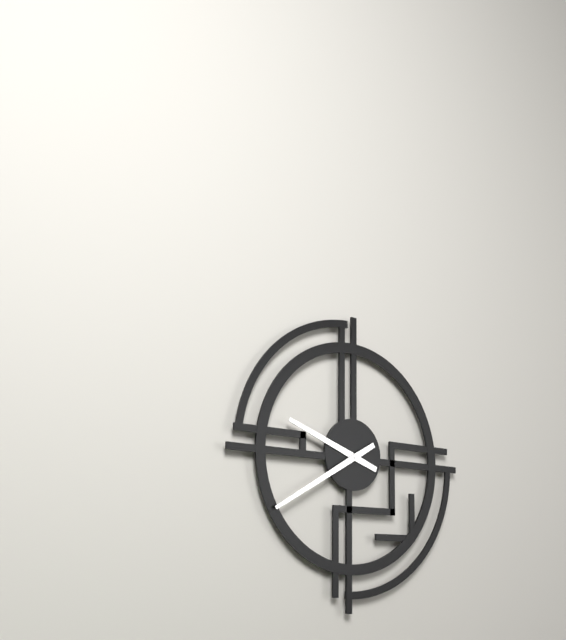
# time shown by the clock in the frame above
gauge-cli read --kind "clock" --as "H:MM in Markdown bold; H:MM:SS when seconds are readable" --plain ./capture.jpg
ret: **9:40**
